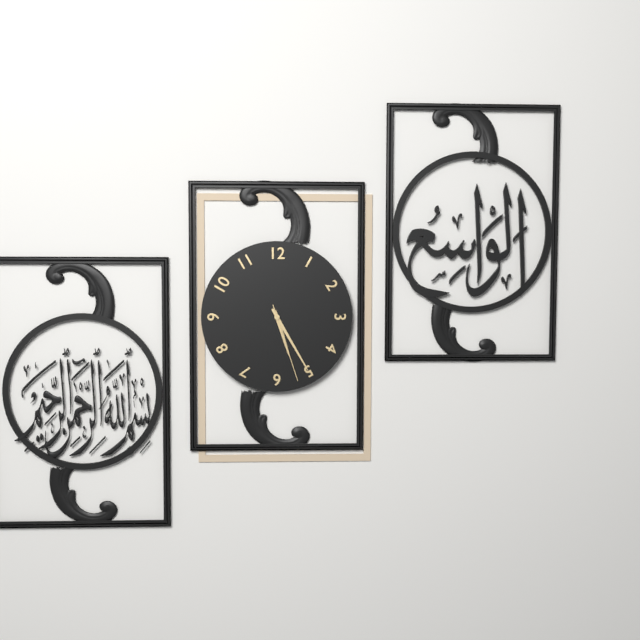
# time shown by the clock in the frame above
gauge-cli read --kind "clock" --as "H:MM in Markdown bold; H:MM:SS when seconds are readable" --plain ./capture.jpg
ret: **5:25:27**
